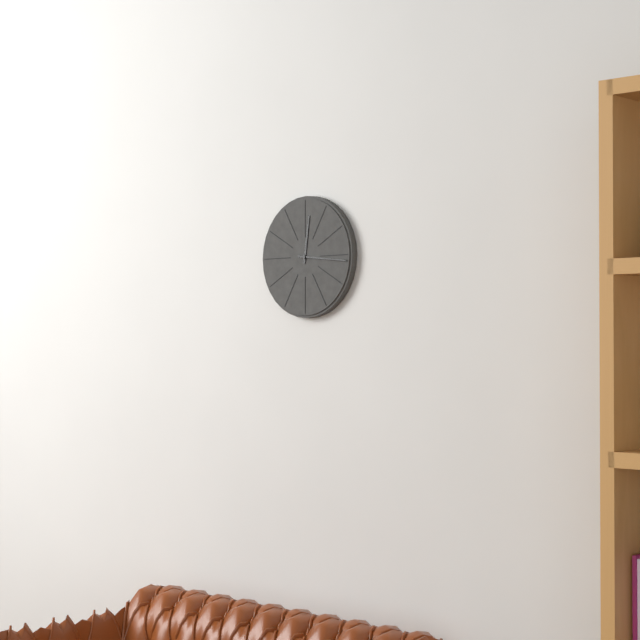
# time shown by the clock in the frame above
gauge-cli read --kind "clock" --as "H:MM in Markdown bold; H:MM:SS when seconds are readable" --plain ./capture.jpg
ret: **12:16**
